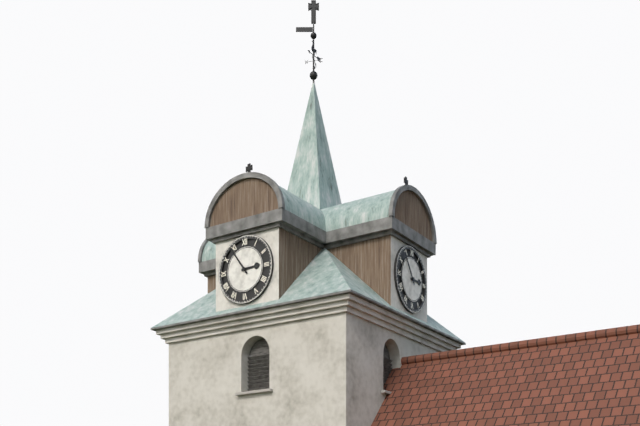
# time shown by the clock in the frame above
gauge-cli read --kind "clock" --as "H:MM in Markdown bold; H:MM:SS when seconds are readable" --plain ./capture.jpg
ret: **2:54**
